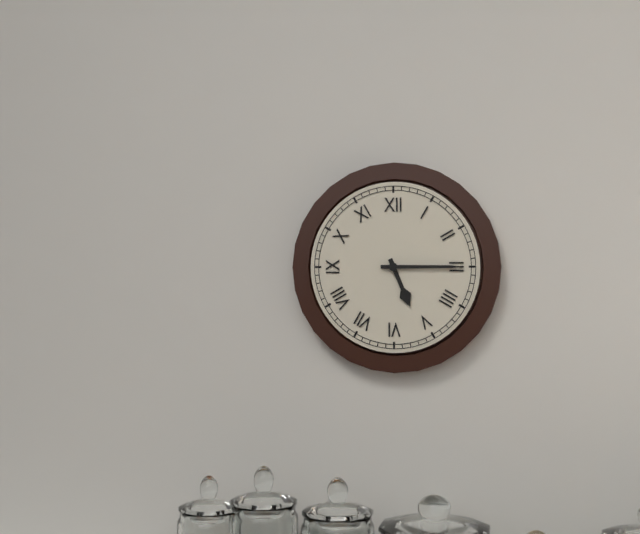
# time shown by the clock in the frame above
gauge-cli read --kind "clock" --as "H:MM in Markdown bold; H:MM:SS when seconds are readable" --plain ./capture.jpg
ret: **5:15**
